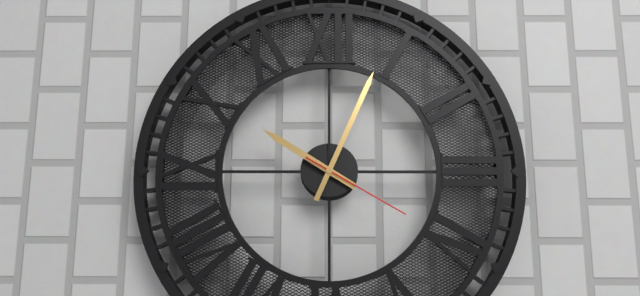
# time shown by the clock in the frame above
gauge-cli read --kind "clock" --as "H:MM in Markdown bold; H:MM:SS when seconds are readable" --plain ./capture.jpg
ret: **10:04:20**
